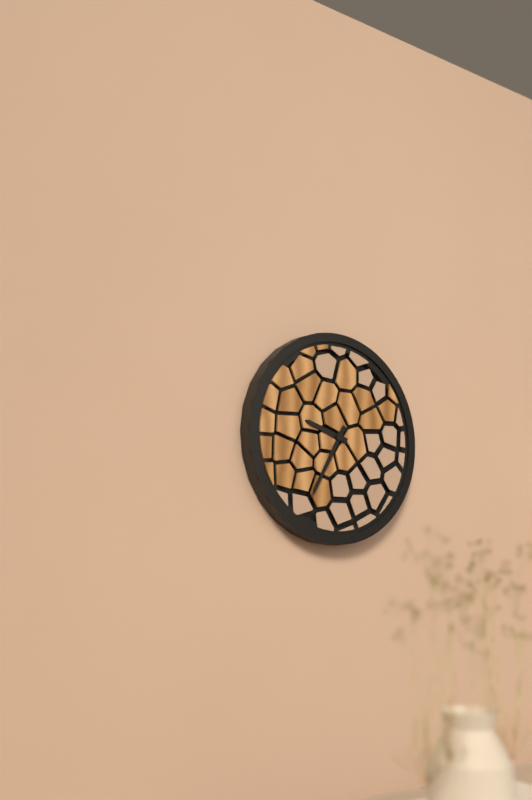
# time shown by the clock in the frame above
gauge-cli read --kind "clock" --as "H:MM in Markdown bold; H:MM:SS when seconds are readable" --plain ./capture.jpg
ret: **9:35**
